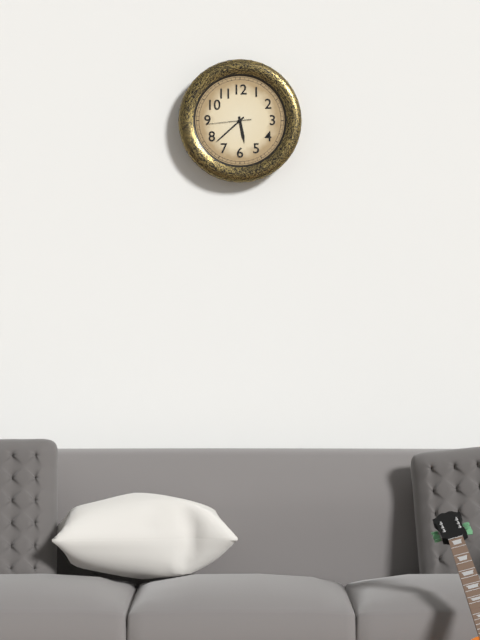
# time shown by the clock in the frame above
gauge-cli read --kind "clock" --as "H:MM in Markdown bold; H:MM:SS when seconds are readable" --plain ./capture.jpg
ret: **5:38**
